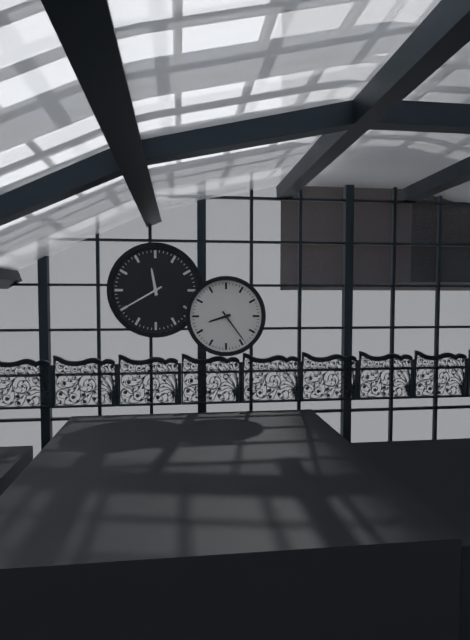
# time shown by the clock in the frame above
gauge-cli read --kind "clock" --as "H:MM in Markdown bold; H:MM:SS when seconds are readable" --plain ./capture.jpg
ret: **8:24**
